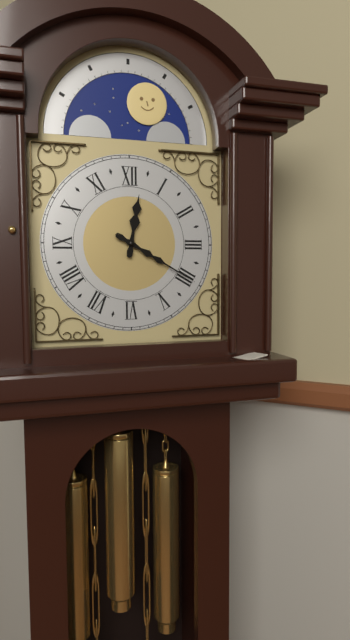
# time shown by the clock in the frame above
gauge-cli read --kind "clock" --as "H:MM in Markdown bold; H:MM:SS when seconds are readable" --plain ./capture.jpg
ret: **12:20**
